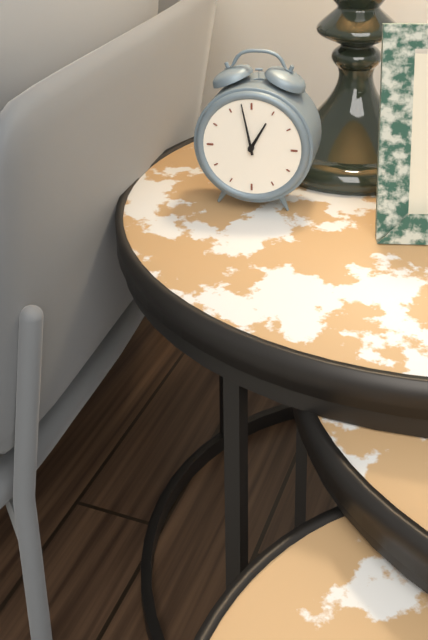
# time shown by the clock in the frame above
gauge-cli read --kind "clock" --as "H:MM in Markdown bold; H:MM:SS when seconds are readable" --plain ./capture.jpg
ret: **12:58**
